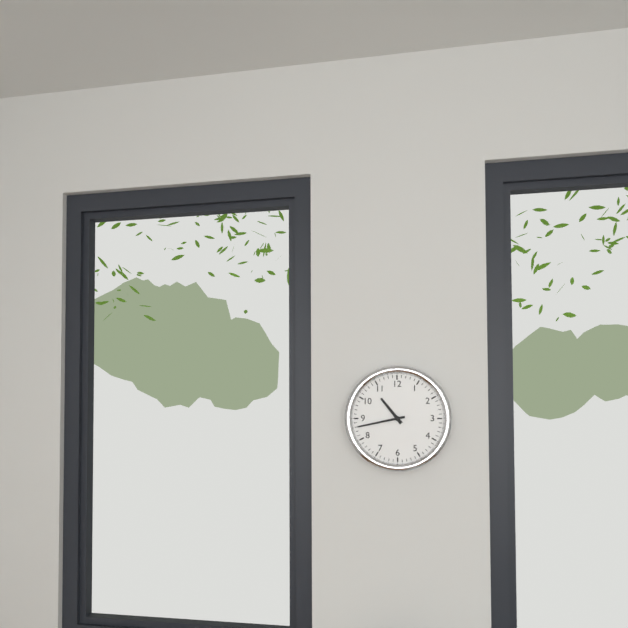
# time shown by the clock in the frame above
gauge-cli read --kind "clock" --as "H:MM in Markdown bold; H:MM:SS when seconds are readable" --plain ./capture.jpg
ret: **10:43**
